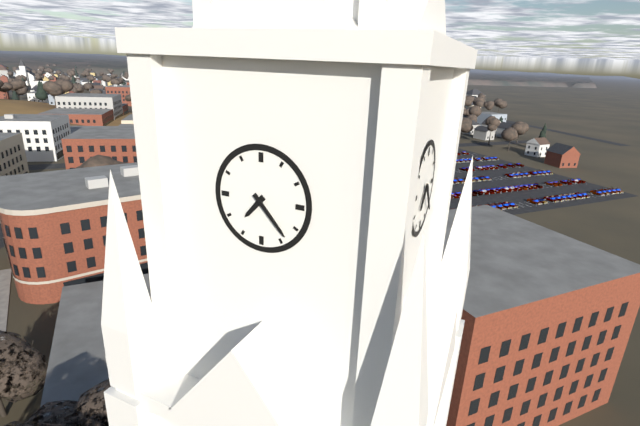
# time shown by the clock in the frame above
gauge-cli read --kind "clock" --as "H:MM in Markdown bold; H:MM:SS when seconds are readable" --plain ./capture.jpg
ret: **7:23**
